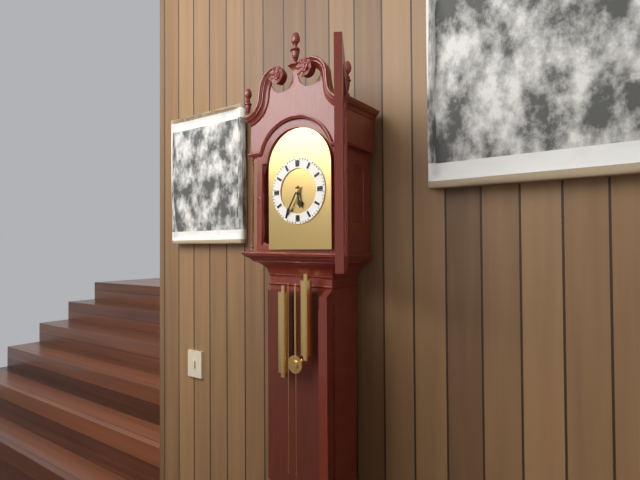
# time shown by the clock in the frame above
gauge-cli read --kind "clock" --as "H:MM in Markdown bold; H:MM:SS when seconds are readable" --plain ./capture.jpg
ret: **5:35**
